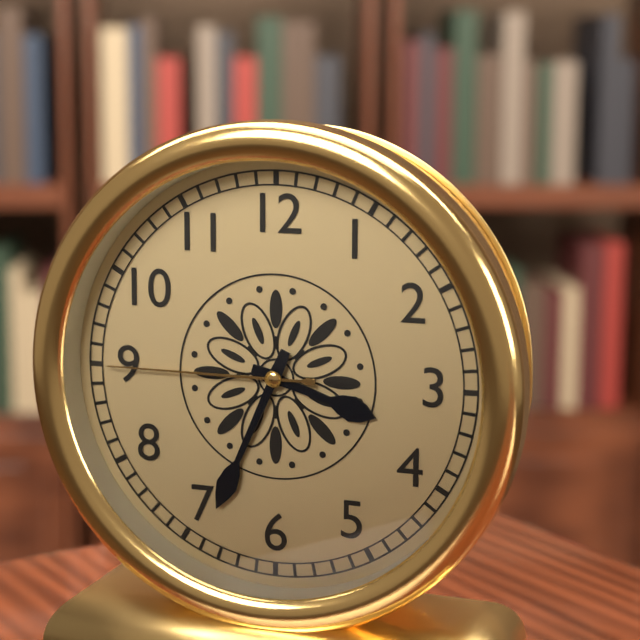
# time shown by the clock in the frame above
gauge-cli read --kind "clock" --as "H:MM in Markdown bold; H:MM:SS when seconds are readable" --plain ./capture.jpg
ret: **3:34:45**
